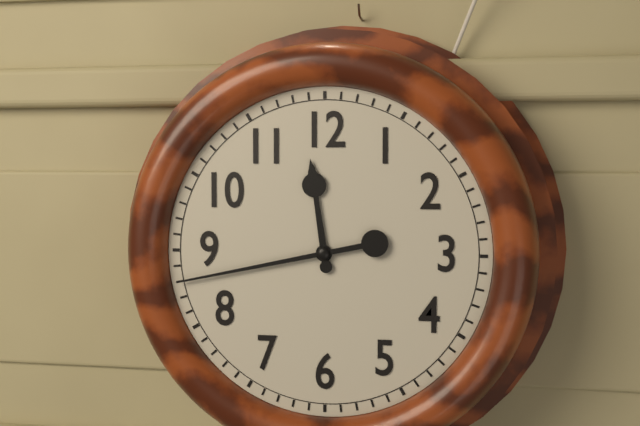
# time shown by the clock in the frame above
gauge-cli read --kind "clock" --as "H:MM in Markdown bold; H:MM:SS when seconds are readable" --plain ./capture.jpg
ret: **11:43**
